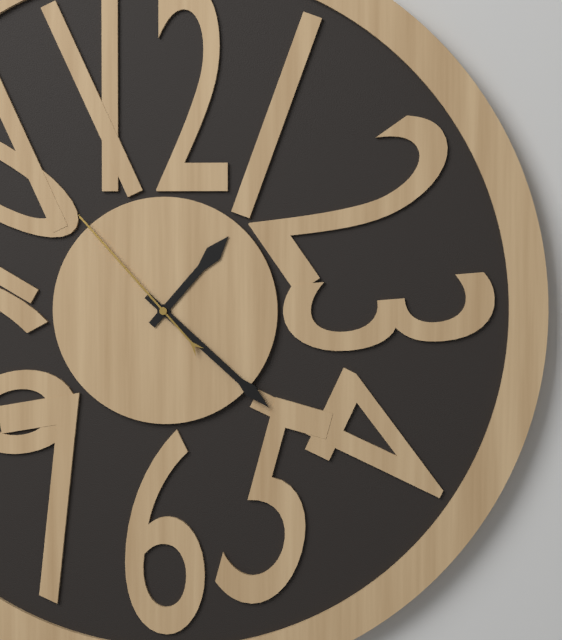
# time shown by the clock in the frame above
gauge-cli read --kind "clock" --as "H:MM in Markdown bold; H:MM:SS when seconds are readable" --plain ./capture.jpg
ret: **1:22:53**
